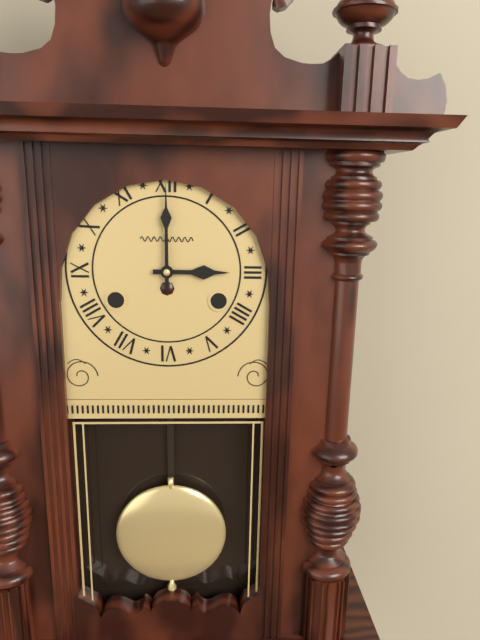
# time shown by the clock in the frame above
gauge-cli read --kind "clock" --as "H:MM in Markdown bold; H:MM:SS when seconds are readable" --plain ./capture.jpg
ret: **3:00**
